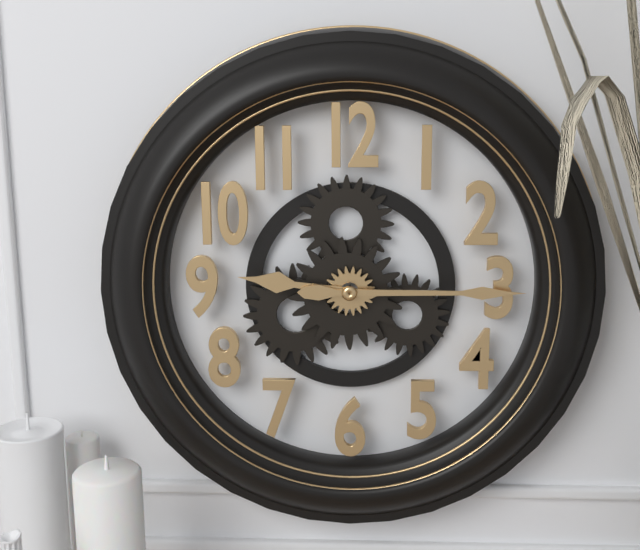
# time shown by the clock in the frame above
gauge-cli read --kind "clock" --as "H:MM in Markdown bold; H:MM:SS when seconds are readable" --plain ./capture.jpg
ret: **9:15**
